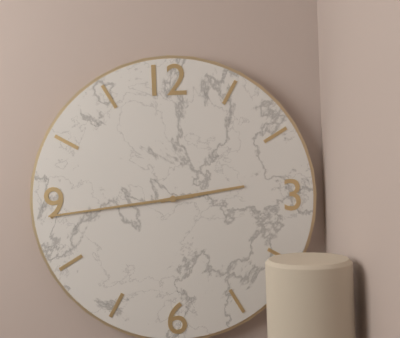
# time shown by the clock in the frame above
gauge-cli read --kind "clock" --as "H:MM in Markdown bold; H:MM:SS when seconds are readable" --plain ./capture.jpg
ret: **2:44**
